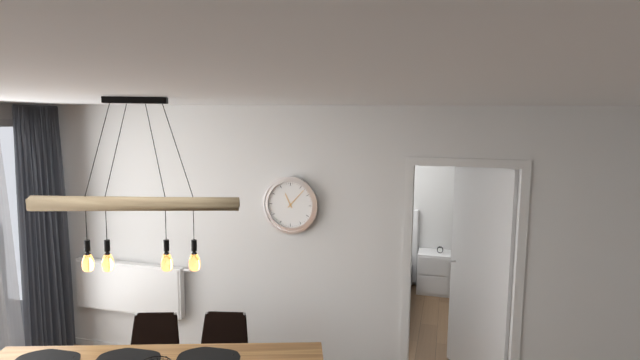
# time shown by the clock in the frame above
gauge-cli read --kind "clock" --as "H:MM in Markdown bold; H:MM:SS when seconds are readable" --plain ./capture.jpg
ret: **11:07**
